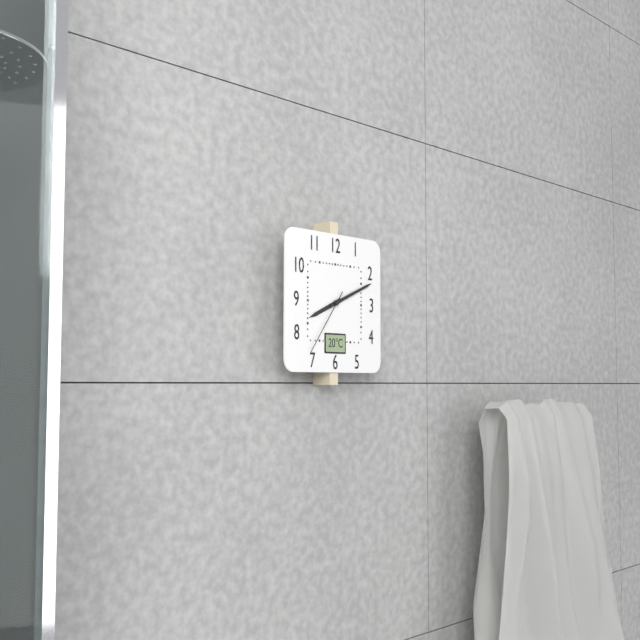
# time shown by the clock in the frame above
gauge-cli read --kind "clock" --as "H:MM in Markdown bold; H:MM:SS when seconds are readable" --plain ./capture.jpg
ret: **8:11:36**
